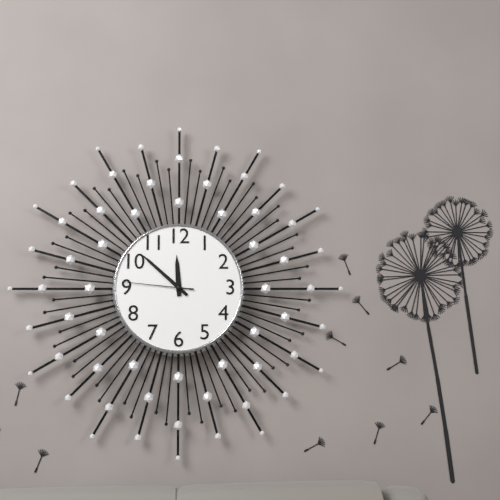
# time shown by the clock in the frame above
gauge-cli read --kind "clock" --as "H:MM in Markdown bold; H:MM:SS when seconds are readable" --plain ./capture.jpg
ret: **11:52:46**
